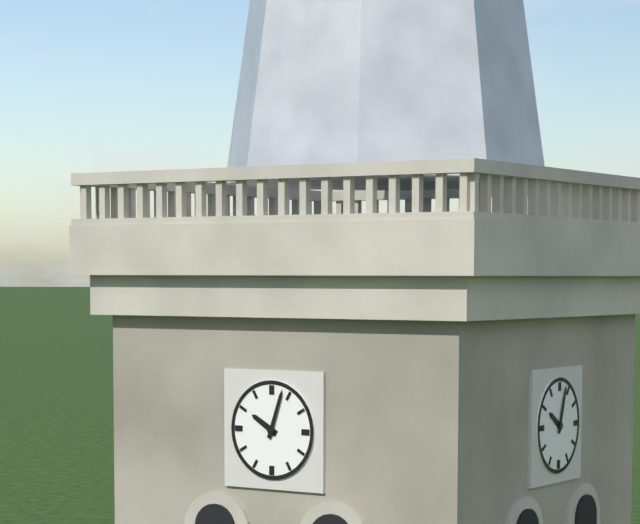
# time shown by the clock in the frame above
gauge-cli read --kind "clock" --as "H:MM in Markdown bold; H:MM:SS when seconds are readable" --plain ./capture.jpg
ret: **10:03**
